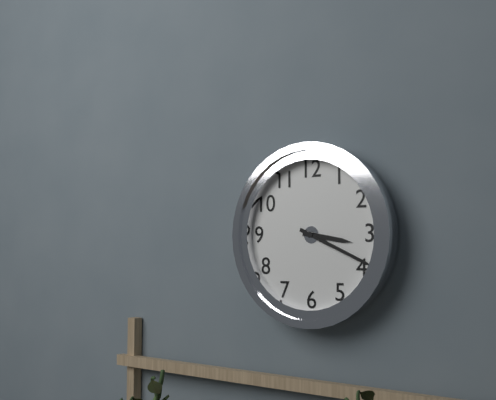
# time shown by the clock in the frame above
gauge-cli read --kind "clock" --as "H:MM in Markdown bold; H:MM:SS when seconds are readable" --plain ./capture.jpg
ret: **3:19**
